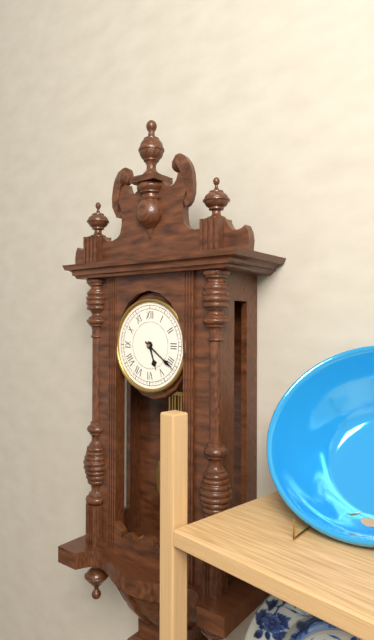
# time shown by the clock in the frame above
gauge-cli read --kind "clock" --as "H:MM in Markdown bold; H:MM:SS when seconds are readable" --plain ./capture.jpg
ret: **5:21**
